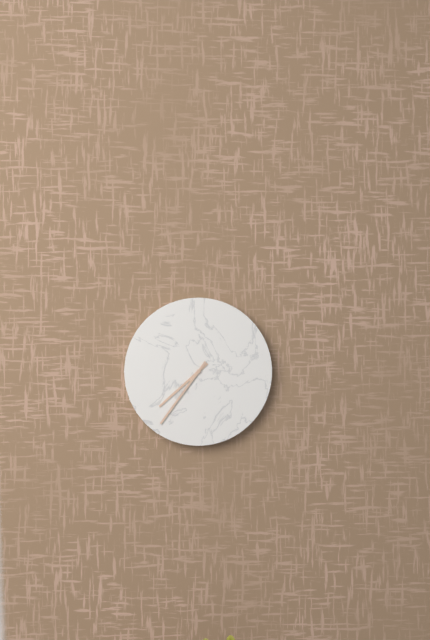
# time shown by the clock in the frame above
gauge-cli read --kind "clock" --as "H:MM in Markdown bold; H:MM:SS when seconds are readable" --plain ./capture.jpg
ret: **7:36**
